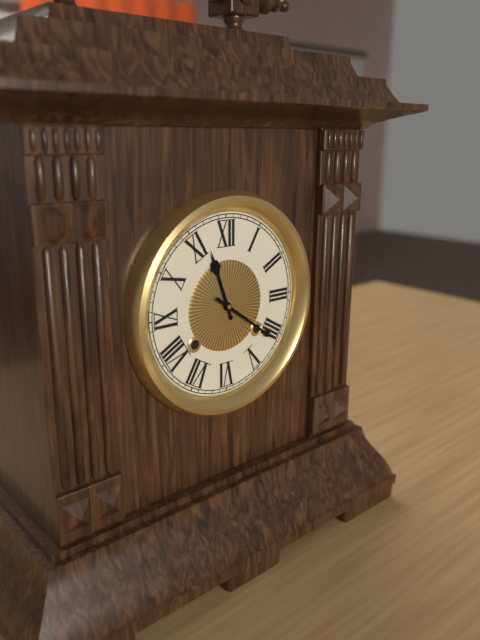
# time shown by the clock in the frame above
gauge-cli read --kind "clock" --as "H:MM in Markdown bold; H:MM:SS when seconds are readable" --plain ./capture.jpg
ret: **11:21**
